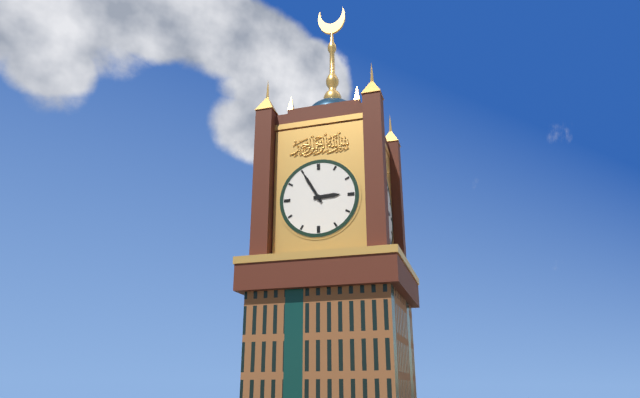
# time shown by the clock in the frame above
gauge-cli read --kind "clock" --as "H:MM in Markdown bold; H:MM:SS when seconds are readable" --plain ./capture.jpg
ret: **2:55**
